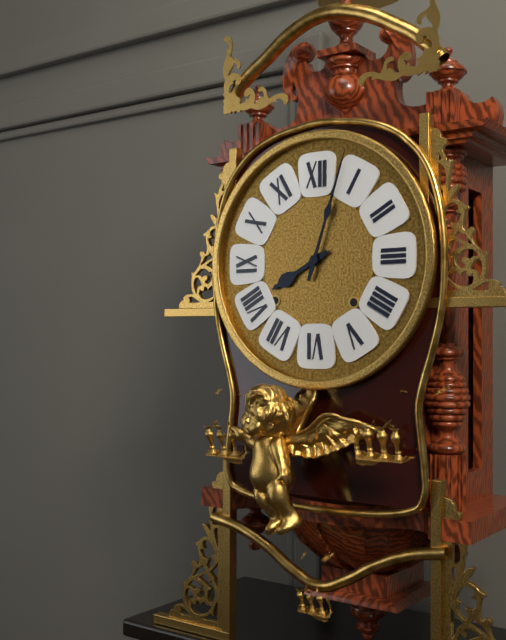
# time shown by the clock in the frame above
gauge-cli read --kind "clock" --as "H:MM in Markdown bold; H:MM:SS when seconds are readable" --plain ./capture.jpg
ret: **8:03**
